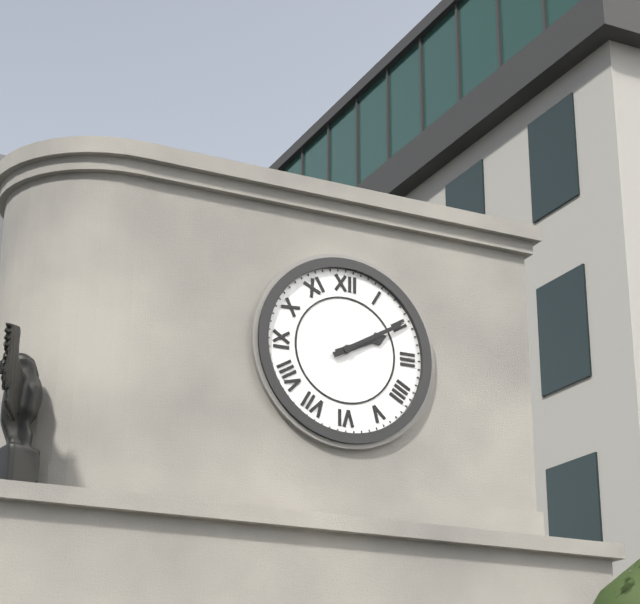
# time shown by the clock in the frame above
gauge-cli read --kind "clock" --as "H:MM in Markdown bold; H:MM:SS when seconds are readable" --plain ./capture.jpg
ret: **2:10**
